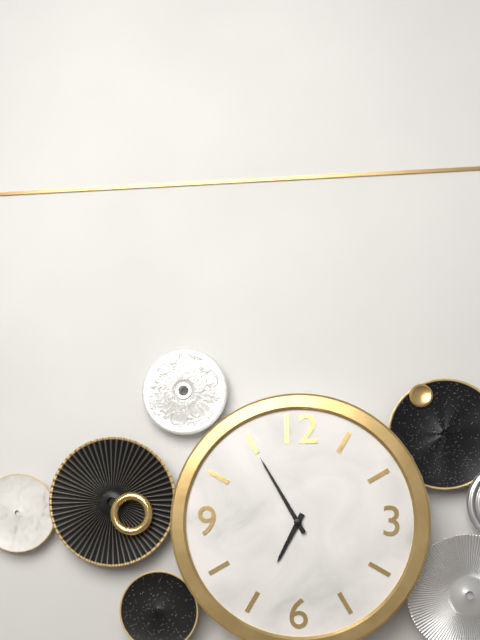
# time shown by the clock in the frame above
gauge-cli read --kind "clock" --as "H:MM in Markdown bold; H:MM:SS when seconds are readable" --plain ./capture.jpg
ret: **6:55**
